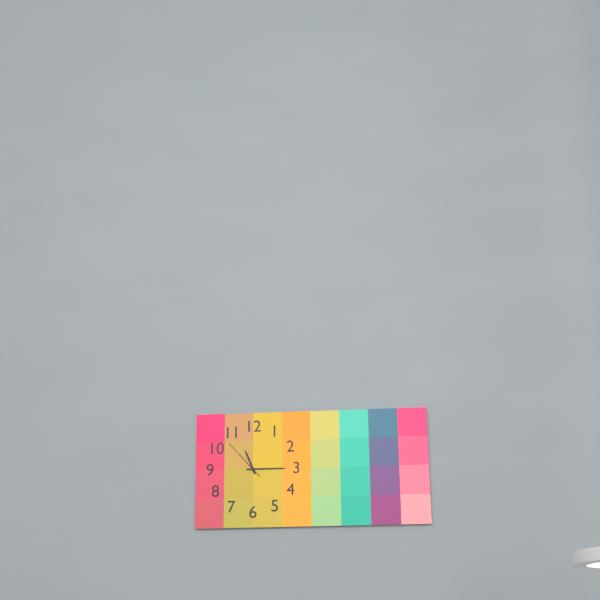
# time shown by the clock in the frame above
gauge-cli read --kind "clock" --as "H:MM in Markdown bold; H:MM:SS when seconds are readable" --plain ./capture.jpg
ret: **11:15**
